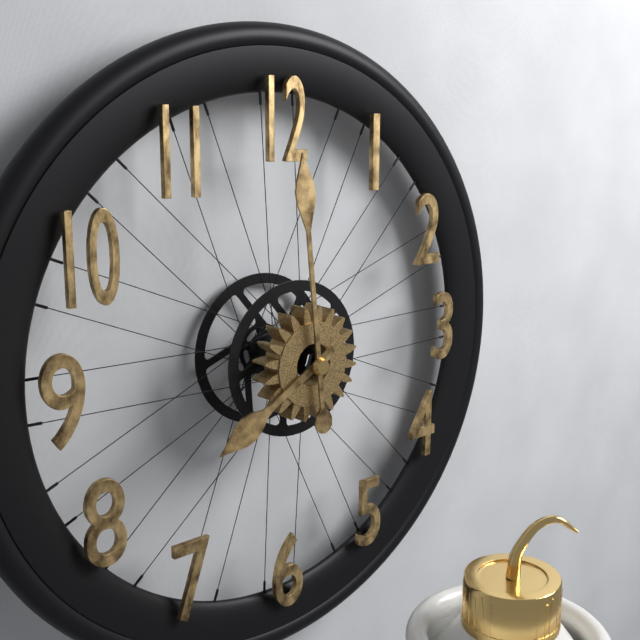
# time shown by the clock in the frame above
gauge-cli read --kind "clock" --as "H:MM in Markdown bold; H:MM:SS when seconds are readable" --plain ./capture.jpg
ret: **7:59**
